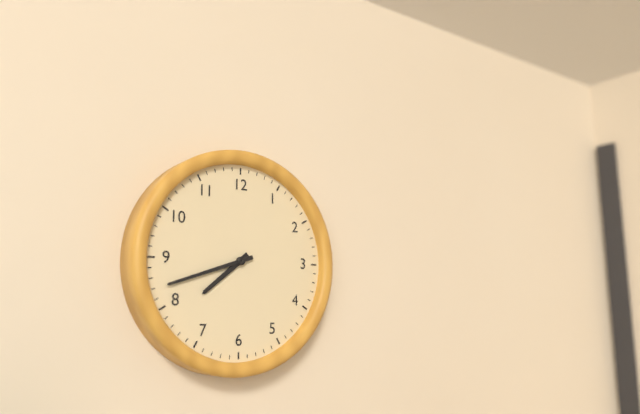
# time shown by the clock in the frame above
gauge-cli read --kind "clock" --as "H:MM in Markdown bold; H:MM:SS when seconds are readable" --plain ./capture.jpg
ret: **7:42**
